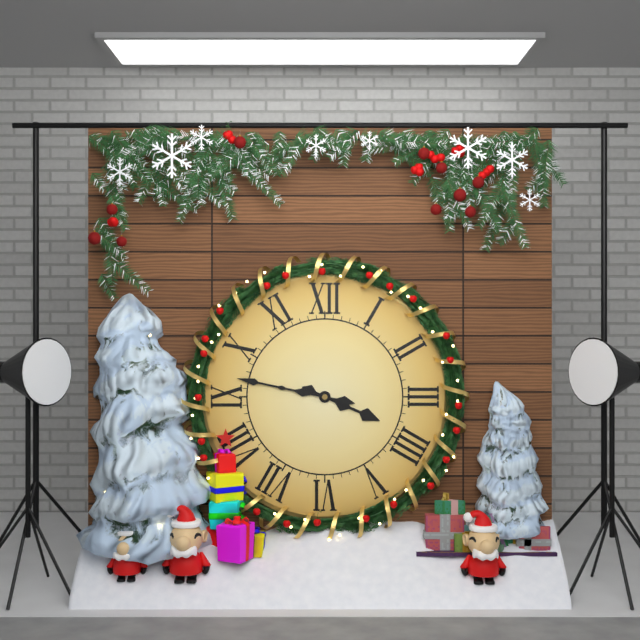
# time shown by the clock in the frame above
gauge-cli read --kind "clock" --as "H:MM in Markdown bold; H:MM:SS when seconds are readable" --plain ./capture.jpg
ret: **3:47**
